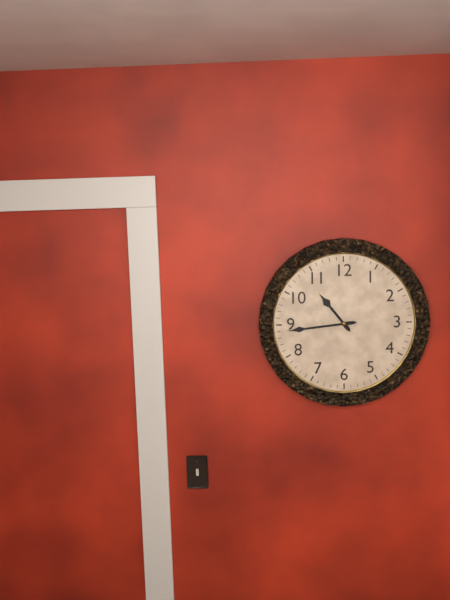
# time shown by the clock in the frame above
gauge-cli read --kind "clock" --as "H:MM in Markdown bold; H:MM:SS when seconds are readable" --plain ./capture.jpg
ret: **10:44**
